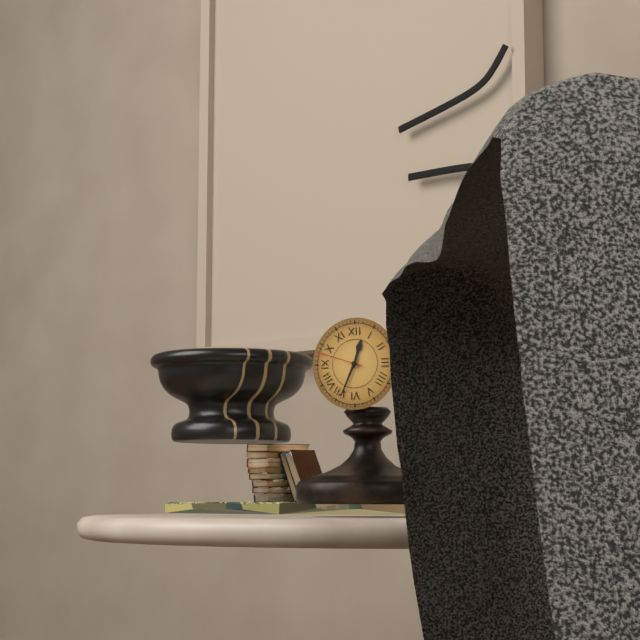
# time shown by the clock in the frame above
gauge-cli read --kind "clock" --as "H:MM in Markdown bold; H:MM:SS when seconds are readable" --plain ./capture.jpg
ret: **12:34**
